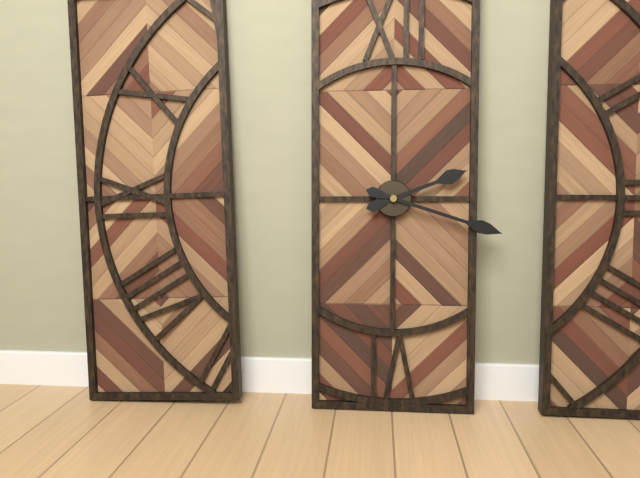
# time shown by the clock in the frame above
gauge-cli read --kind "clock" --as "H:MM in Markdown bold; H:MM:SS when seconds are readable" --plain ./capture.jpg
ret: **2:18**
